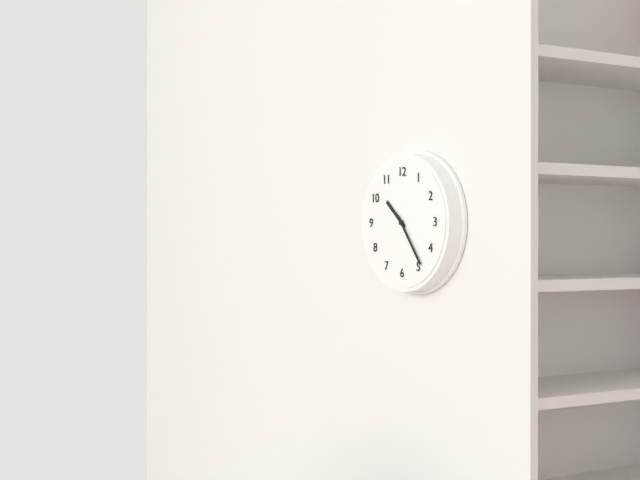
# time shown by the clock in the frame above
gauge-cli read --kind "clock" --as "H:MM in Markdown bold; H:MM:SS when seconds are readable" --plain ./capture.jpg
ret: **10:24**
